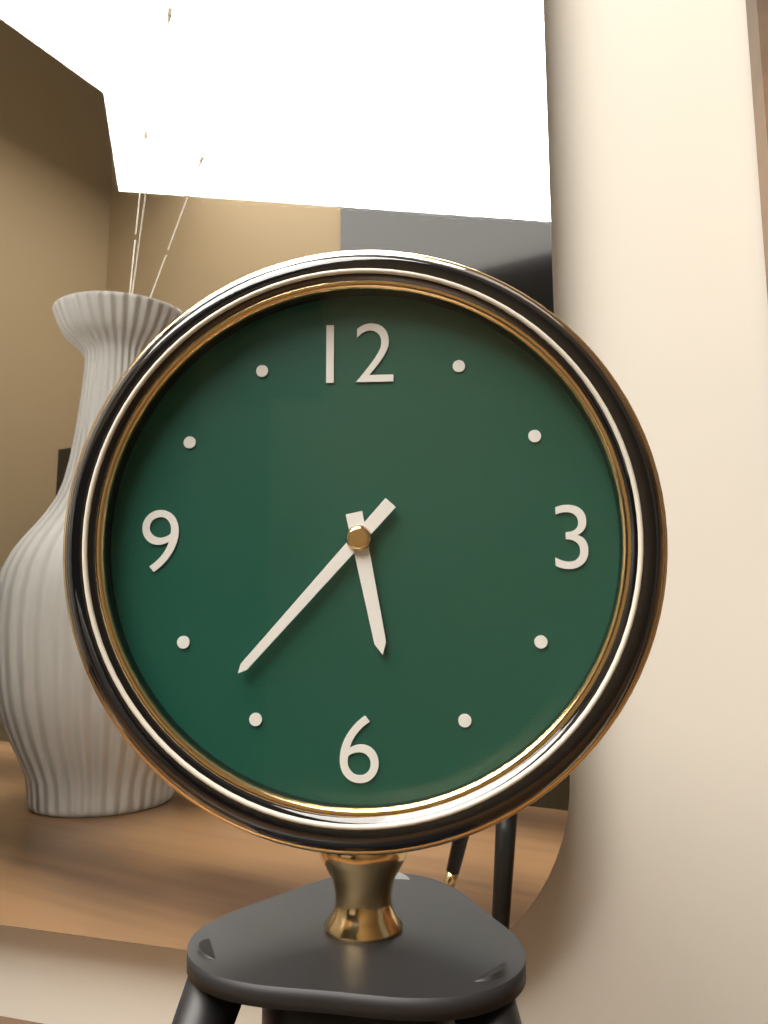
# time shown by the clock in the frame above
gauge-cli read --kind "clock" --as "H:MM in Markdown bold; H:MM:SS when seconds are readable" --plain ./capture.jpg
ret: **5:37**
